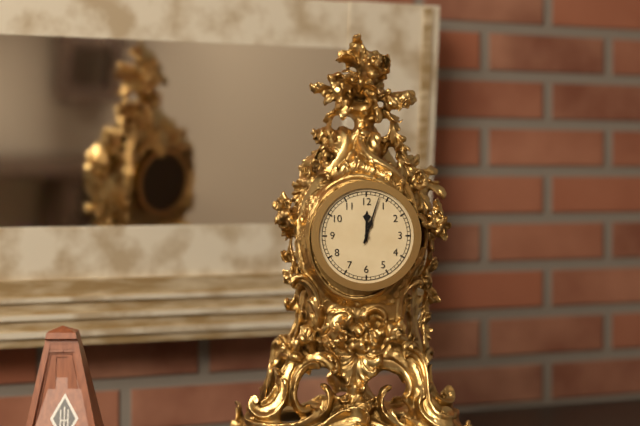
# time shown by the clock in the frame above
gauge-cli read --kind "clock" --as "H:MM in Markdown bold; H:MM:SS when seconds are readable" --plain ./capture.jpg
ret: **12:03**
